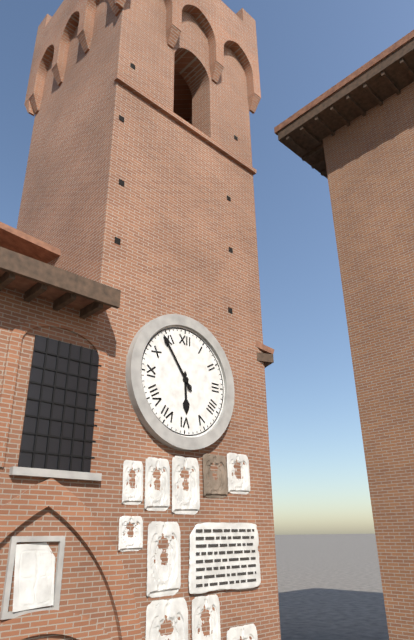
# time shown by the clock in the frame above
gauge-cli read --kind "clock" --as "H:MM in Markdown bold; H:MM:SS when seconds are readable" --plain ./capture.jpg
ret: **5:54**
